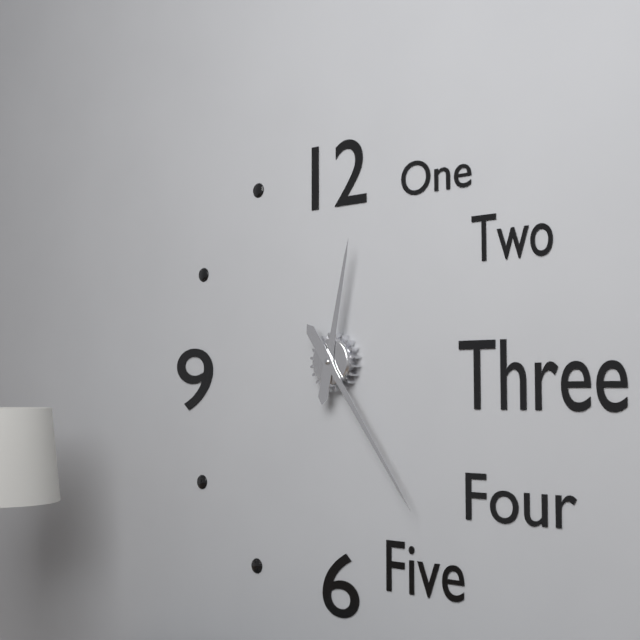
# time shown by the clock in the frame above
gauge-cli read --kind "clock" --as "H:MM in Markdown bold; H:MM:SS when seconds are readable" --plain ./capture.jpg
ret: **12:24**
